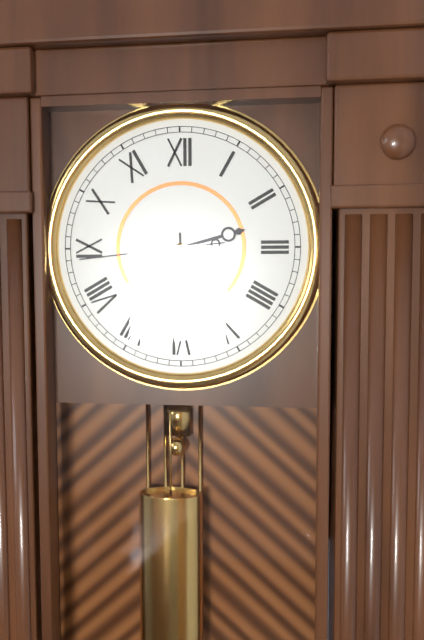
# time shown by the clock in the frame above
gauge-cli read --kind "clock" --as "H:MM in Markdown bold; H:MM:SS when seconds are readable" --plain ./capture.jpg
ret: **2:30:44**
